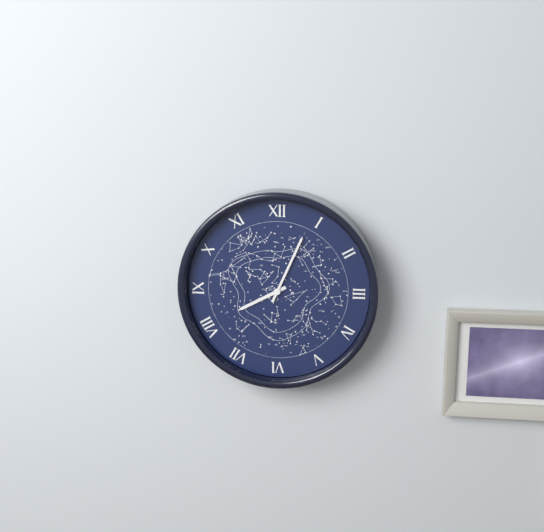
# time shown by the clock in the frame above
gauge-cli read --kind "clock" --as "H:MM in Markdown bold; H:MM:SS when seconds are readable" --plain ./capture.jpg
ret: **8:04**
